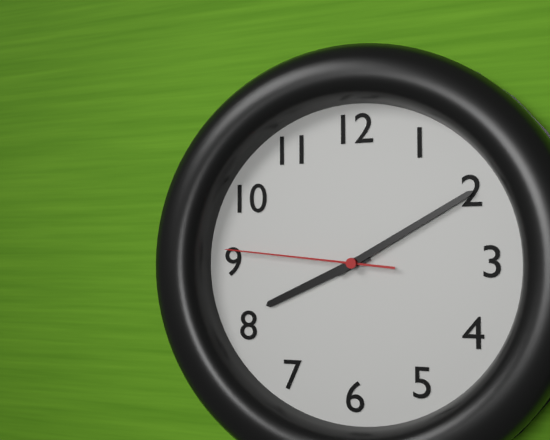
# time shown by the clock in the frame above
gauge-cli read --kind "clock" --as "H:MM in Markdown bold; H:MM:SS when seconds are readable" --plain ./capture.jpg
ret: **8:10:46**
